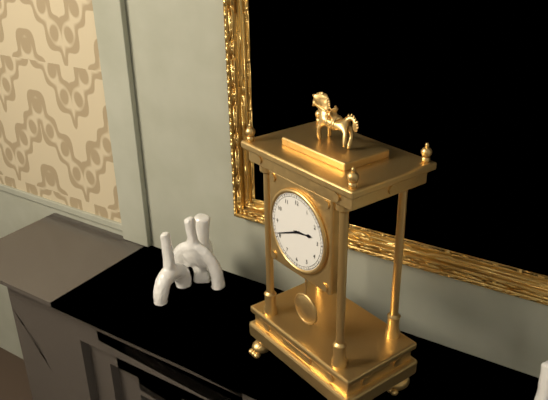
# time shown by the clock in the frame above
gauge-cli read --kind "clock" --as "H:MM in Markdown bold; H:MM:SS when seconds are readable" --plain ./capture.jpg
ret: **2:41**
